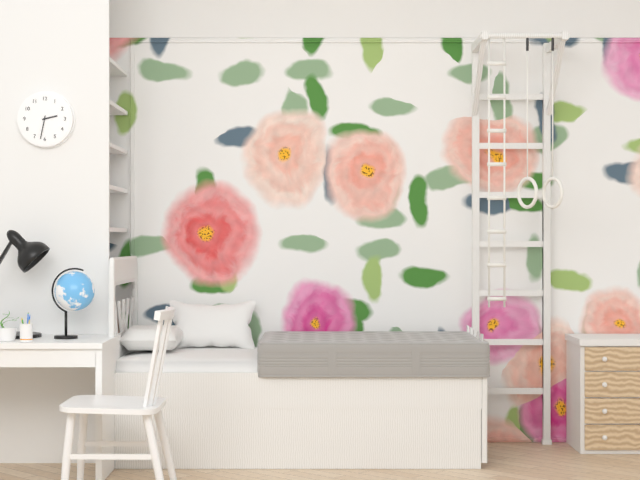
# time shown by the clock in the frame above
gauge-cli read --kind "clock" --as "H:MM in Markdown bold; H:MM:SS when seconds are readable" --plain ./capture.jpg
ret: **2:32**
